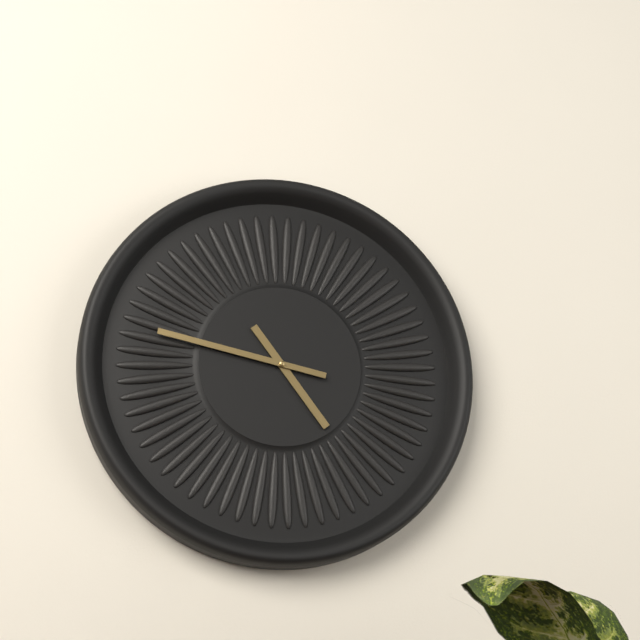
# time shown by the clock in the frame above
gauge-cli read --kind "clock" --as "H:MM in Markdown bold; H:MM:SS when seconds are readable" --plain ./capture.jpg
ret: **4:47**
